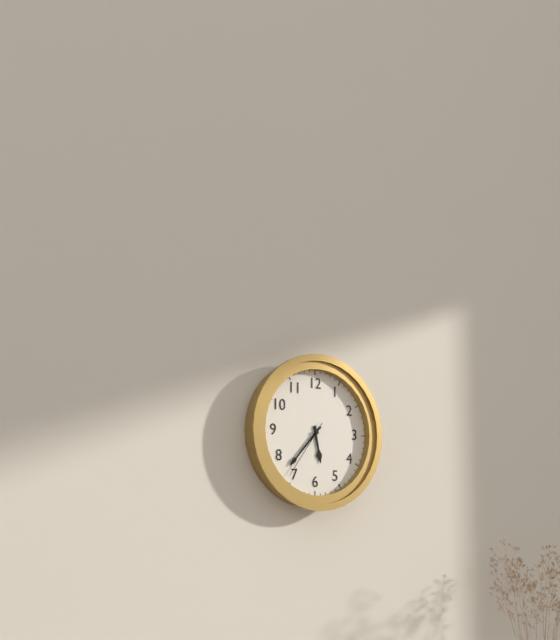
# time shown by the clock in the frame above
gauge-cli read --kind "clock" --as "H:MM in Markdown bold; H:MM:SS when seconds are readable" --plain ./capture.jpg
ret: **5:37:36**
